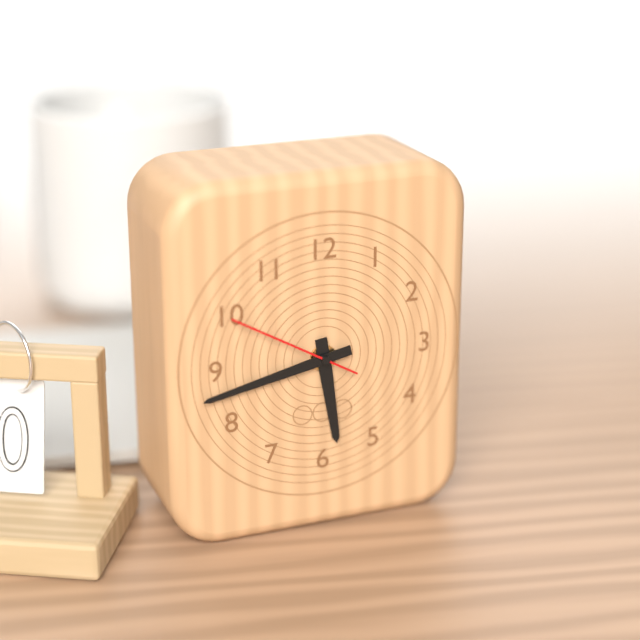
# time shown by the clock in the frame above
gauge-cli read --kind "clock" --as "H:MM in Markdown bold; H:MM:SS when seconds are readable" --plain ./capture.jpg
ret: **5:43:50**
